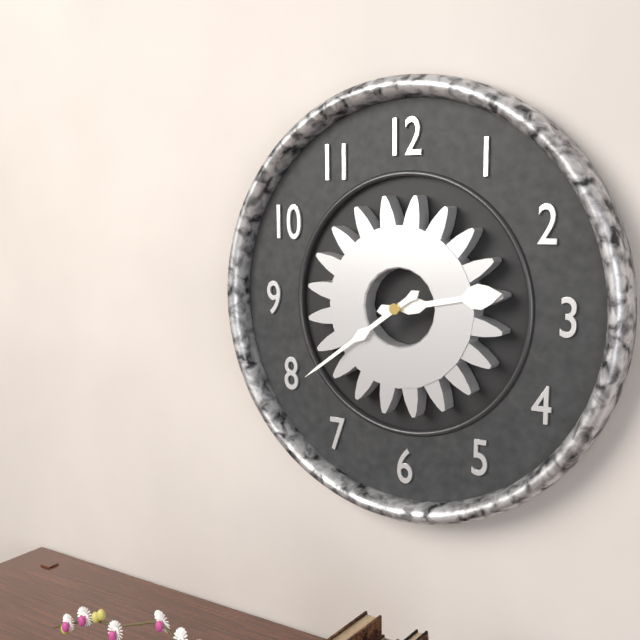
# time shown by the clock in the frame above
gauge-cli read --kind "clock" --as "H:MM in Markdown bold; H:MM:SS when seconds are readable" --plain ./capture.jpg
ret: **2:39**
